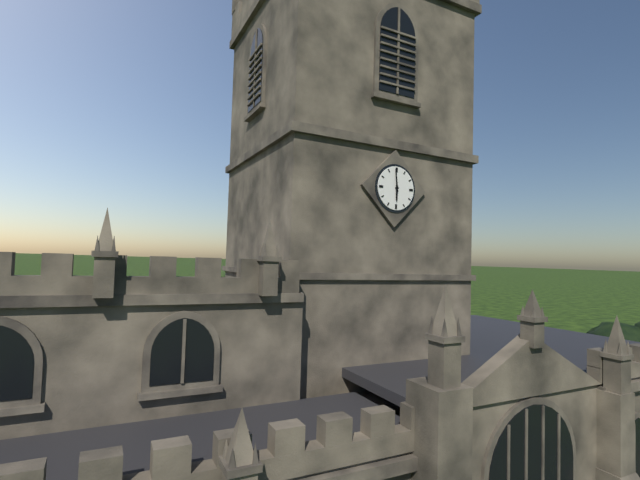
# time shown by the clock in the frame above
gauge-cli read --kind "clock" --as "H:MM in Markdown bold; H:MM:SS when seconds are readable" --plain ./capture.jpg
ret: **5:59**
